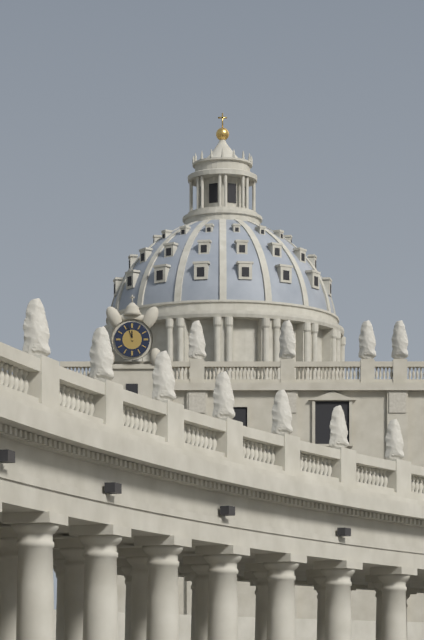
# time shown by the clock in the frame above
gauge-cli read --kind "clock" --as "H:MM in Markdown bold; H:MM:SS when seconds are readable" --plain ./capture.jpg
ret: **11:57**
